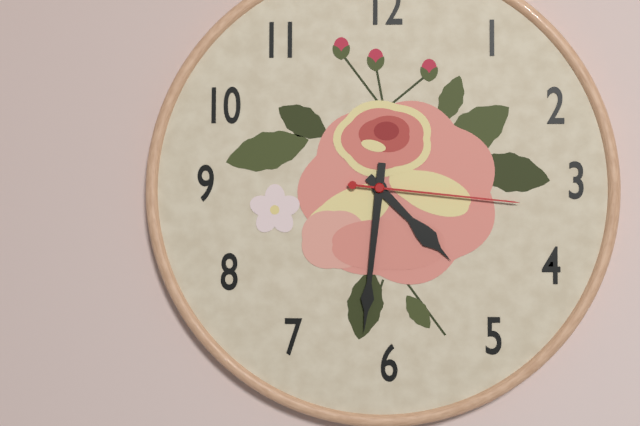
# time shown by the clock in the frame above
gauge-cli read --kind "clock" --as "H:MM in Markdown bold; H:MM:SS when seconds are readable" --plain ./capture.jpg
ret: **4:31:16**
